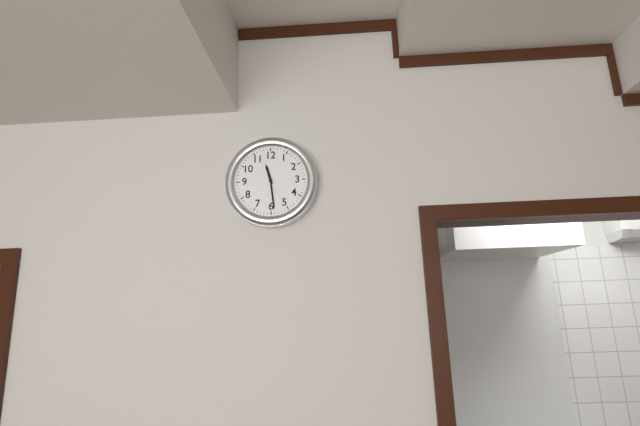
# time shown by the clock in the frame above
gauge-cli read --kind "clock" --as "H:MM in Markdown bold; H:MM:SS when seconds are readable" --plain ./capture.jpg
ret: **11:29**
